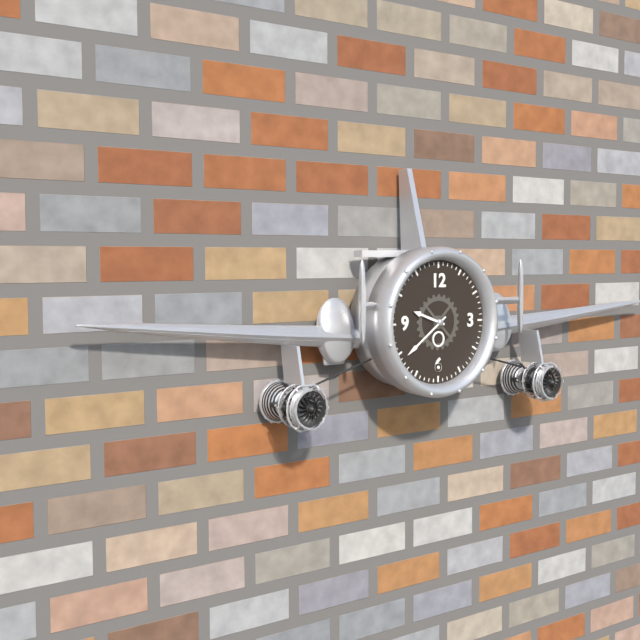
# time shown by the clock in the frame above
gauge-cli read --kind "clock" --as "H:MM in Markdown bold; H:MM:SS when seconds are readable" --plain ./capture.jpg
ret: **9:39**
